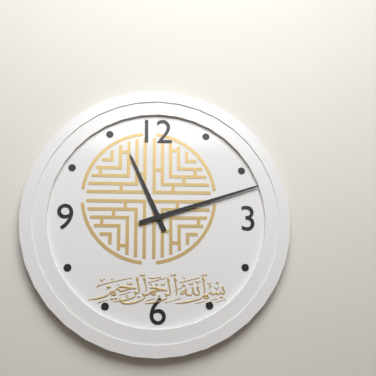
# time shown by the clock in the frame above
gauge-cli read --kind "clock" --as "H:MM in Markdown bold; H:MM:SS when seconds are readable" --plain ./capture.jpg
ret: **11:12**
